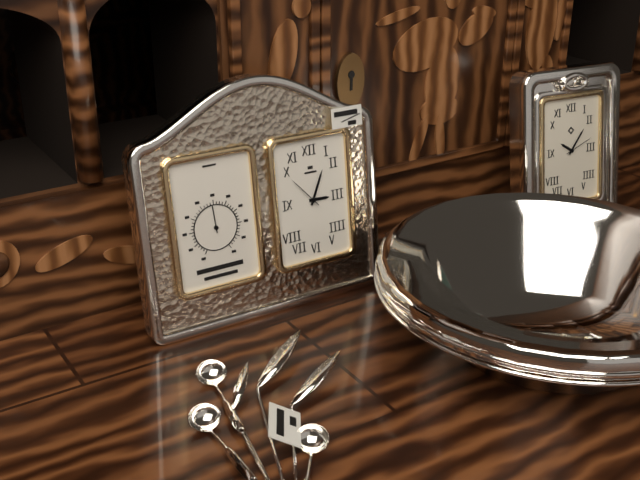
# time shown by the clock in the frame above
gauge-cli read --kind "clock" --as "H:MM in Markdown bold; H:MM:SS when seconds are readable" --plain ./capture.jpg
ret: **3:04**
